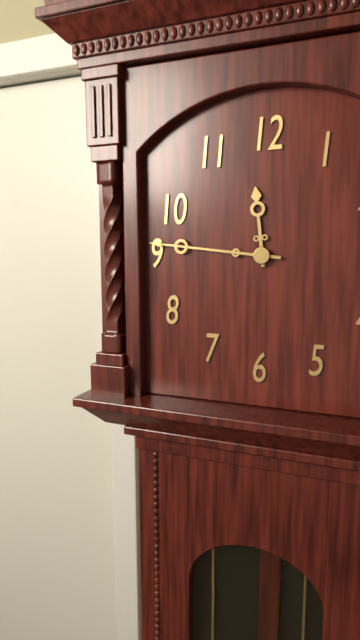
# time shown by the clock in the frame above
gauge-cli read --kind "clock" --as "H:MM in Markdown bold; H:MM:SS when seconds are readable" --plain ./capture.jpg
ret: **11:46**
